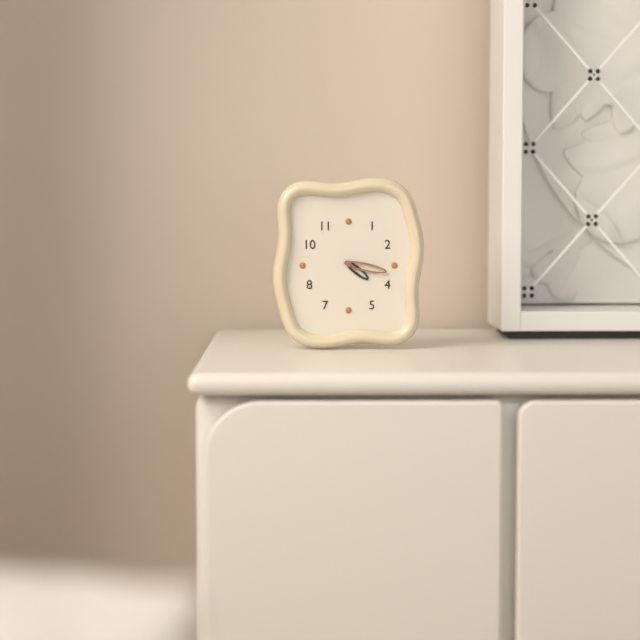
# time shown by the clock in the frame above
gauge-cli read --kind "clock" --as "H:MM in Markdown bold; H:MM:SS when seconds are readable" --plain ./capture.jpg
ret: **4:17**
